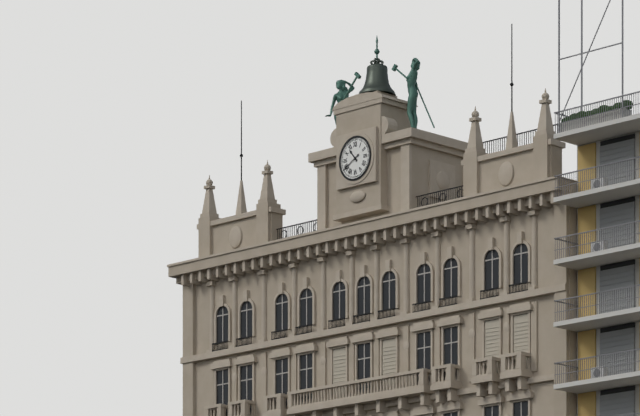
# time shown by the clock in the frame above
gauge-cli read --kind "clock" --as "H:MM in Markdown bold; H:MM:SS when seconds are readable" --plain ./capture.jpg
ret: **10:40**
